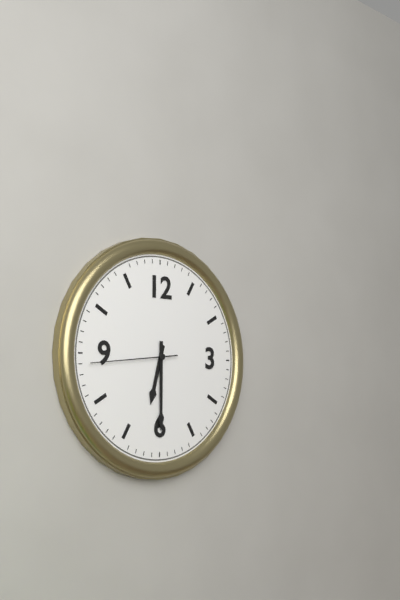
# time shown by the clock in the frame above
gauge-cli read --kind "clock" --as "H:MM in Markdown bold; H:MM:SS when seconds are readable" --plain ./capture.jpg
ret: **6:30:44**
